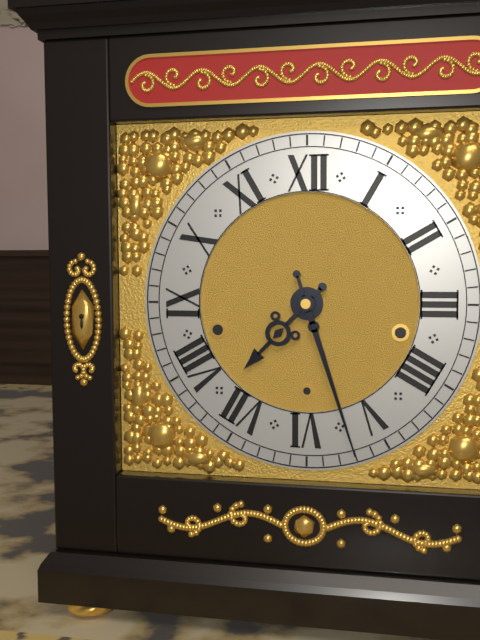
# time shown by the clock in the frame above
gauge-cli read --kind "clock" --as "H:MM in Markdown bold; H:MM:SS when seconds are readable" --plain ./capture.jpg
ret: **7:27**
